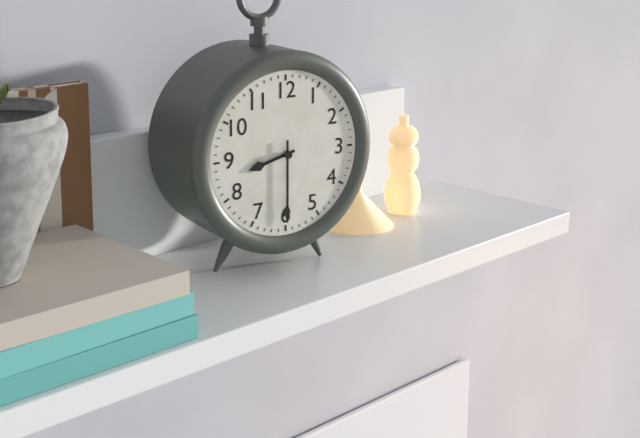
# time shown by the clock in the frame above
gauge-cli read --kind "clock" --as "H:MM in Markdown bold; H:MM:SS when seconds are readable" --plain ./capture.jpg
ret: **8:30**
